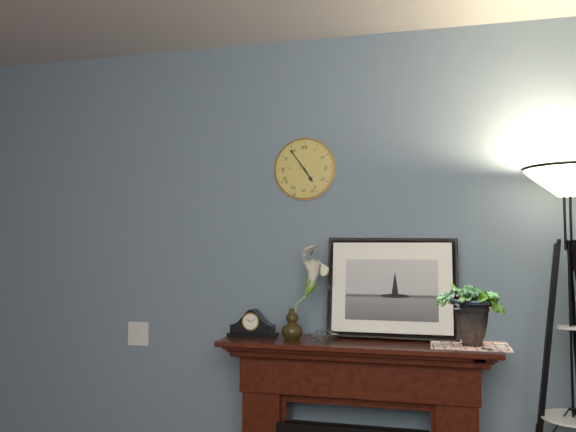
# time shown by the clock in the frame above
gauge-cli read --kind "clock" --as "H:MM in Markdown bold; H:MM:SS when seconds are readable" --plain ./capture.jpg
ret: **4:54**
